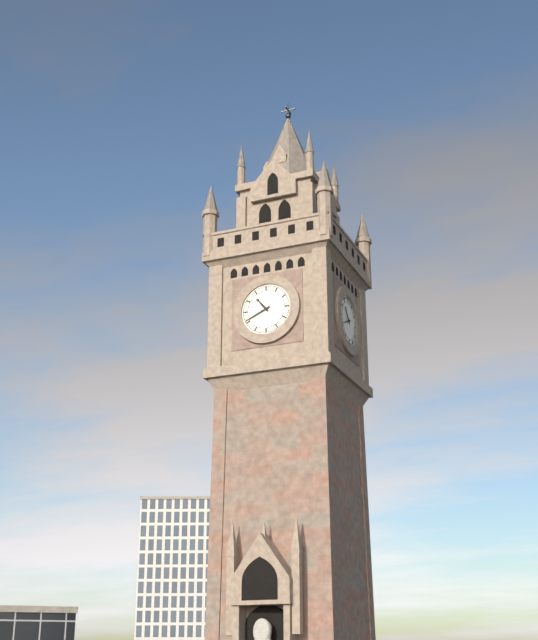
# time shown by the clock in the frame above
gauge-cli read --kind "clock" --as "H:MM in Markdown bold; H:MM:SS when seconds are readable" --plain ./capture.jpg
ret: **10:41**
